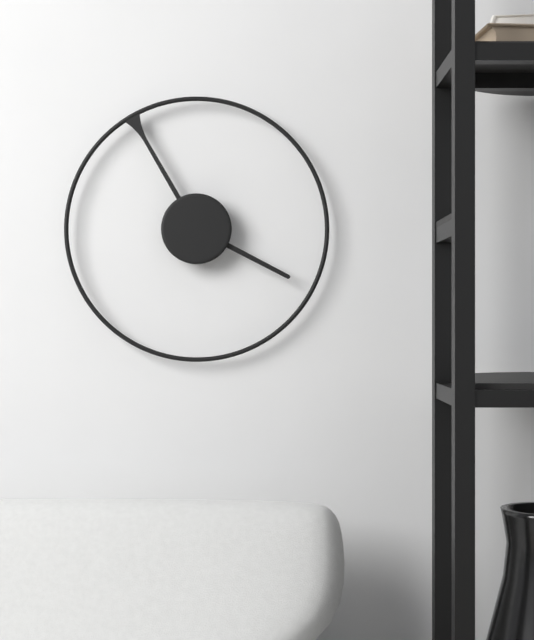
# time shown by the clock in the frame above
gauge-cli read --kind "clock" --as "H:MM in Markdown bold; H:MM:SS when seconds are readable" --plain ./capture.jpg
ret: **3:55**
